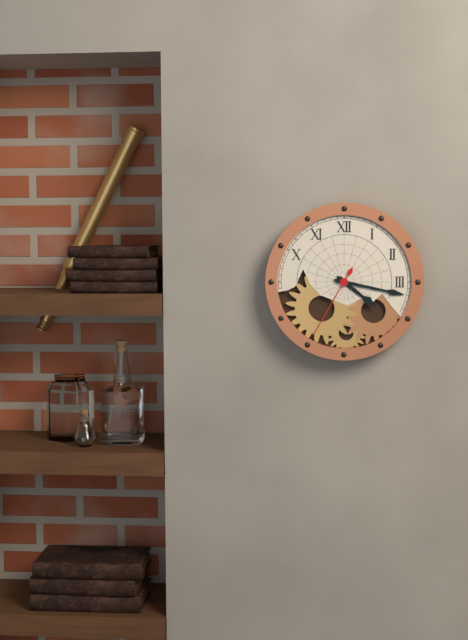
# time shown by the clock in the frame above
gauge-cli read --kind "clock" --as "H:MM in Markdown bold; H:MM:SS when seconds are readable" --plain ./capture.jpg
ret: **4:17:35**
